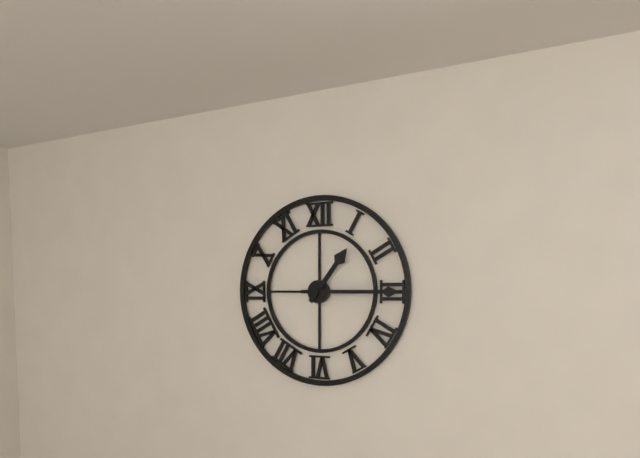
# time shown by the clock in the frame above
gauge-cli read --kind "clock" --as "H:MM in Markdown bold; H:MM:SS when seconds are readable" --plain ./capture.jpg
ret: **1:15**
